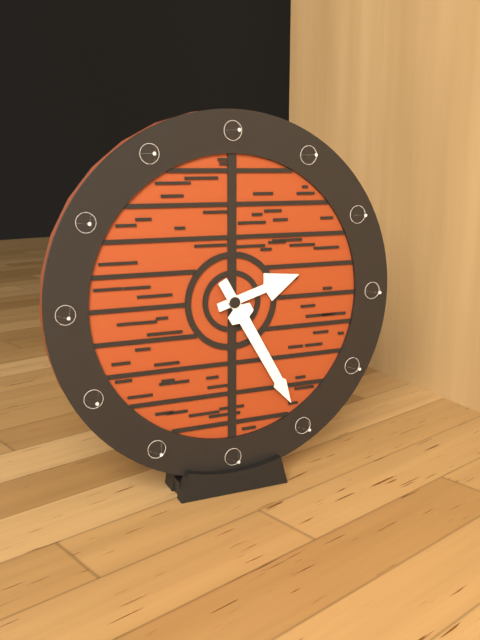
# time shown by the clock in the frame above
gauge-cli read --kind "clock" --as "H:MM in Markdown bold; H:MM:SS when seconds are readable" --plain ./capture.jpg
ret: **2:25**
